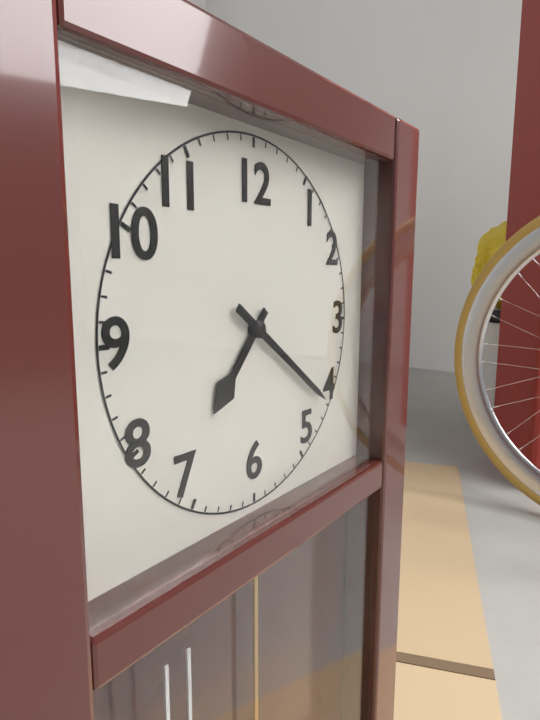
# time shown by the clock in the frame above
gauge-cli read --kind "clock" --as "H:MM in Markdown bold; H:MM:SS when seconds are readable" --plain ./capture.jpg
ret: **7:21**
